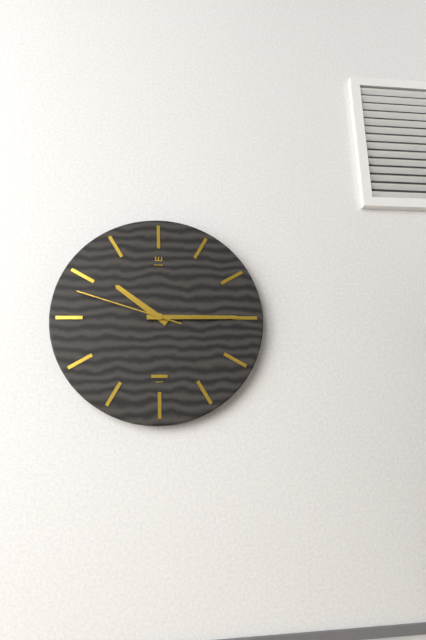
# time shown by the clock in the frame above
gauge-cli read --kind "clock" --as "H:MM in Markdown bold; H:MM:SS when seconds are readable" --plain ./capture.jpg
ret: **10:15:48**
